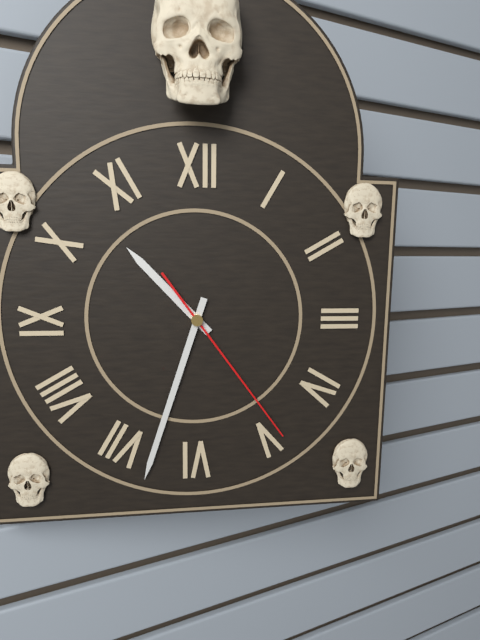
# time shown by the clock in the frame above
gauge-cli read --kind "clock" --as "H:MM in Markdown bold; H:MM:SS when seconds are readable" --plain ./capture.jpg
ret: **10:33:24**
